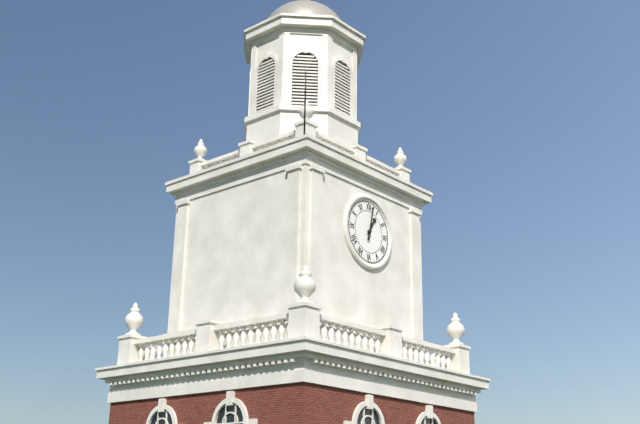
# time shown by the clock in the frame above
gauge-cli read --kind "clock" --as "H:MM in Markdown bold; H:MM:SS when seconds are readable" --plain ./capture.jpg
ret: **1:02**
